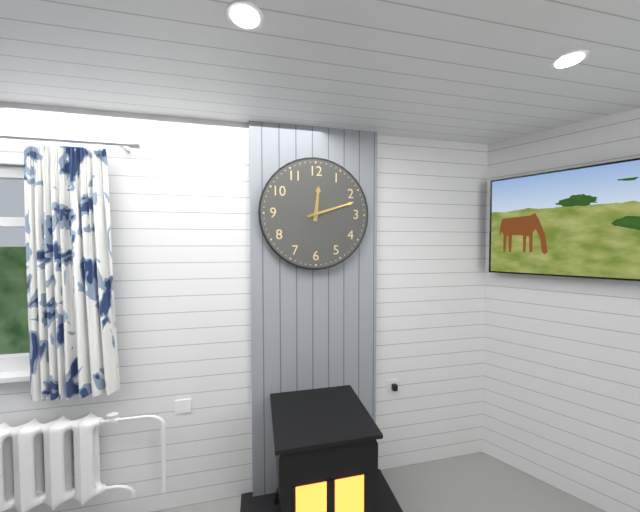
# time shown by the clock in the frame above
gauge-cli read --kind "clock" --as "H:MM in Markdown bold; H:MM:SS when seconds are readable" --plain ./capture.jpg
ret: **12:12**
